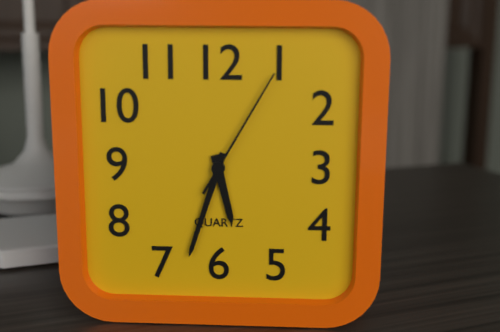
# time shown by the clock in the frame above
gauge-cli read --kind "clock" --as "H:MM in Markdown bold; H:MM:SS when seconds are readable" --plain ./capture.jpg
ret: **5:33:05**
